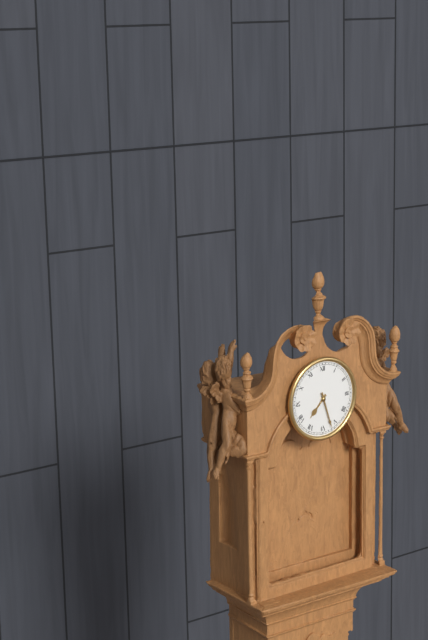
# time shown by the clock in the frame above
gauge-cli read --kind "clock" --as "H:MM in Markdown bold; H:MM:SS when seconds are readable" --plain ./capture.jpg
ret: **7:27**
